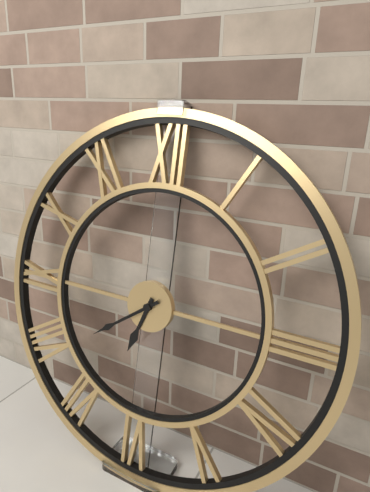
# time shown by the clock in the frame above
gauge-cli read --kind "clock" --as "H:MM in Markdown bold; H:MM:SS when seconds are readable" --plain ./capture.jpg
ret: **6:39**
